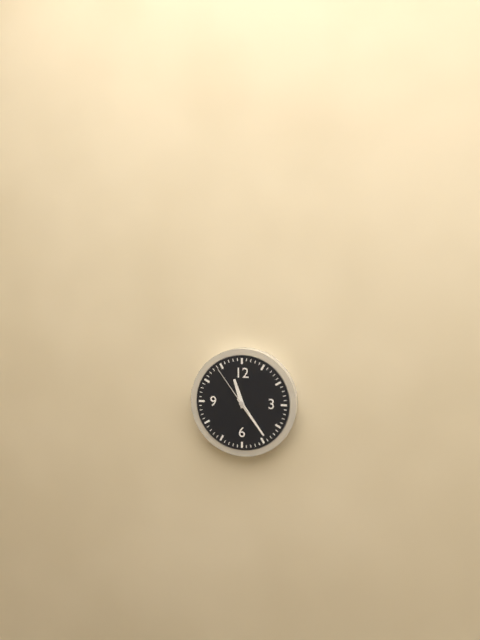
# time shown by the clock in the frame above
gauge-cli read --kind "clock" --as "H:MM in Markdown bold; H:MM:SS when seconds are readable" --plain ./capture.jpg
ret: **11:24:54**
